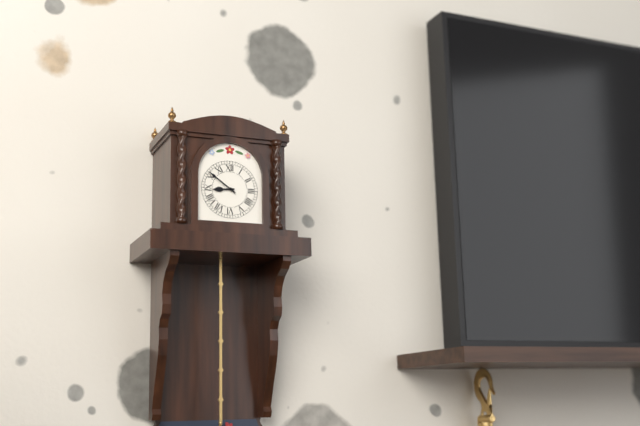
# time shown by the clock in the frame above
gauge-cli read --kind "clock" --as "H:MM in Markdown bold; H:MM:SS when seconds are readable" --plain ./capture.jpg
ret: **8:51**
